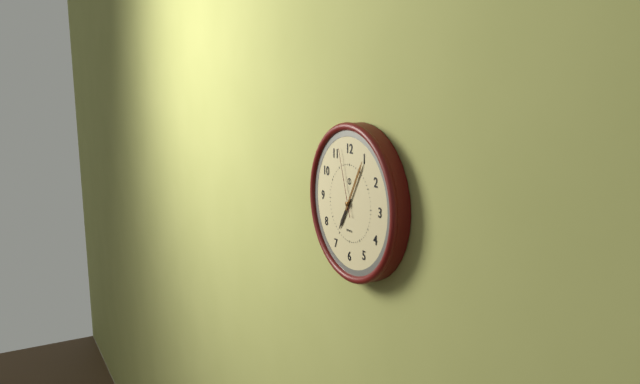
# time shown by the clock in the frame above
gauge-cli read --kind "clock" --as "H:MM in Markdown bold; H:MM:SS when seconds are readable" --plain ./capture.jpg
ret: **7:05:57**
